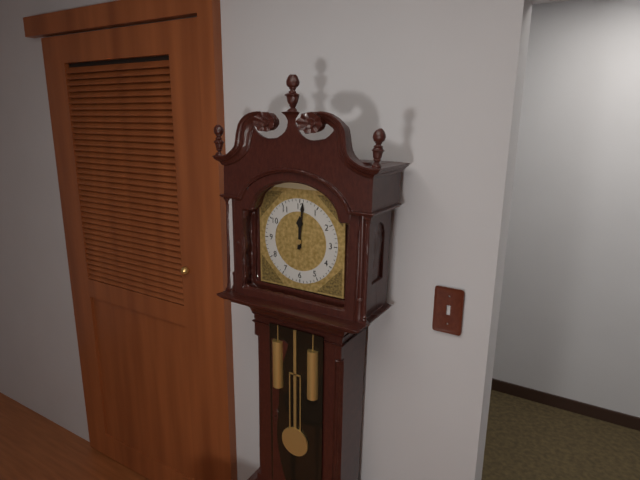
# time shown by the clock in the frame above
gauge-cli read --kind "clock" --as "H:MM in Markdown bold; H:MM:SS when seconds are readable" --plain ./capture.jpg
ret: **12:01**
